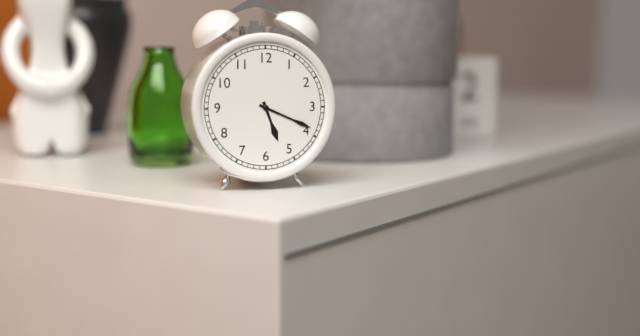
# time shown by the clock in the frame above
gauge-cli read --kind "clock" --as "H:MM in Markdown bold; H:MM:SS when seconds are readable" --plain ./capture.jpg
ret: **5:19**
